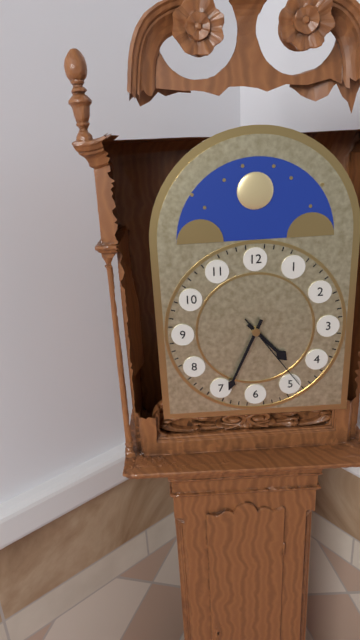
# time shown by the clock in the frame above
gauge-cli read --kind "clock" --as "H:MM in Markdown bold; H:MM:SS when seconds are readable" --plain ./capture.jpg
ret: **4:34:24**
